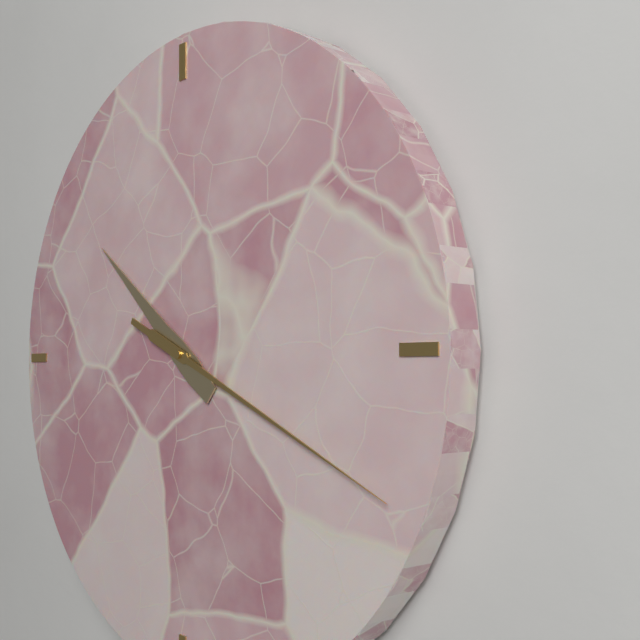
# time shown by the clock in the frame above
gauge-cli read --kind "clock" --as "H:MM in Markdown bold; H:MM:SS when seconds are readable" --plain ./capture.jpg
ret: **10:19**
